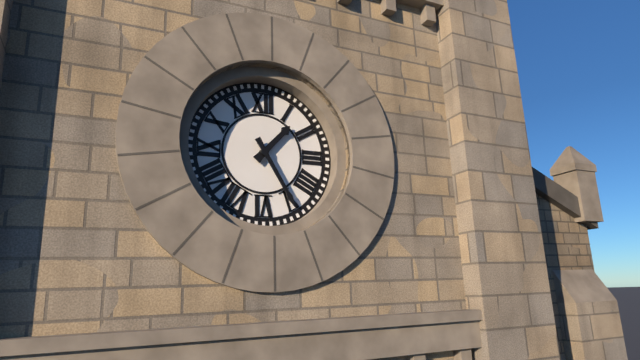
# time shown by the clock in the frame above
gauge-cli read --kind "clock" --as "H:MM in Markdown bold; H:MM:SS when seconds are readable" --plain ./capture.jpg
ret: **1:25**
